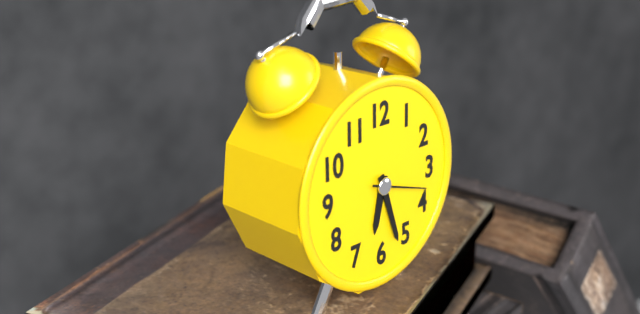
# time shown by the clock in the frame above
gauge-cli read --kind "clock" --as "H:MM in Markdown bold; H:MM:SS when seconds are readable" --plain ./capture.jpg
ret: **6:27:18**
